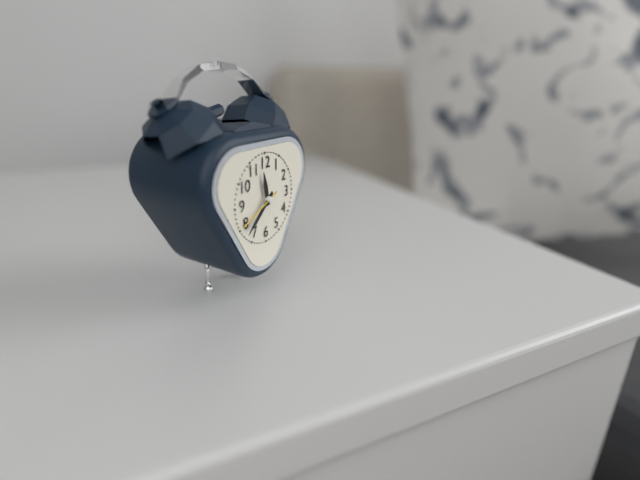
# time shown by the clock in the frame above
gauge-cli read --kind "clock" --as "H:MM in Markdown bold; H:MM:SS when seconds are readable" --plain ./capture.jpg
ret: **11:38**
